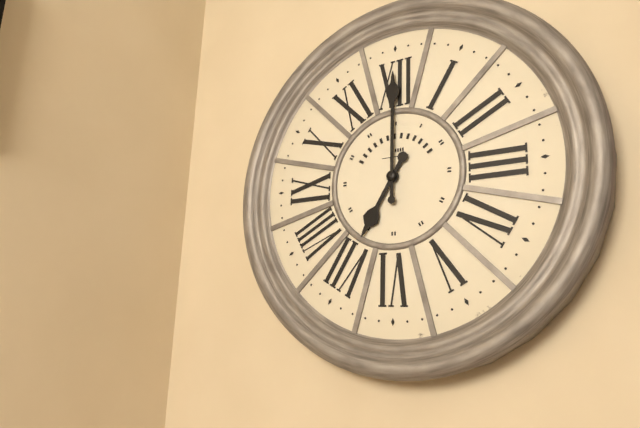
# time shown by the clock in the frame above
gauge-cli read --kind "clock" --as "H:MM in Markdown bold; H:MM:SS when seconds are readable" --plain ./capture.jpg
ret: **7:00**
